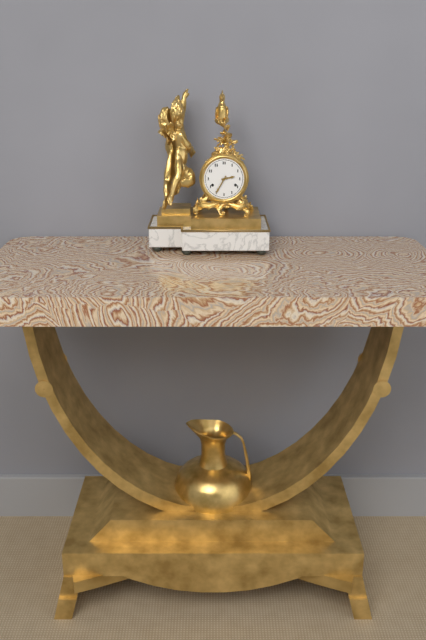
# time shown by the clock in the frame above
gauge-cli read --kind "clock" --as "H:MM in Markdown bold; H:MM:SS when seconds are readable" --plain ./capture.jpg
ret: **2:35**
